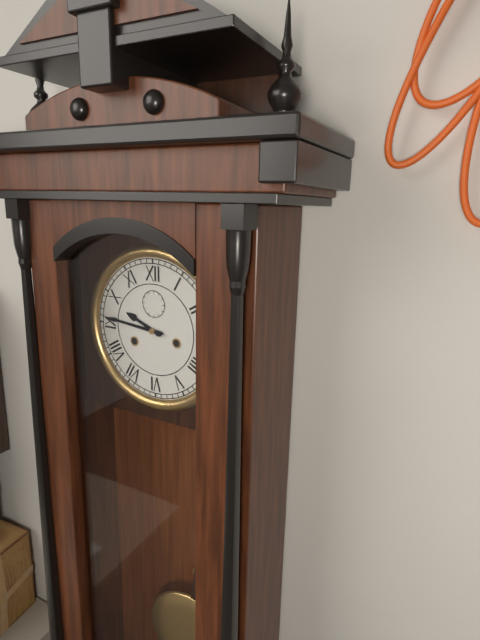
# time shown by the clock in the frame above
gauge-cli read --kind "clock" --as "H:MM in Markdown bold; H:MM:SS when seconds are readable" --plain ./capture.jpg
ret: **9:46**
